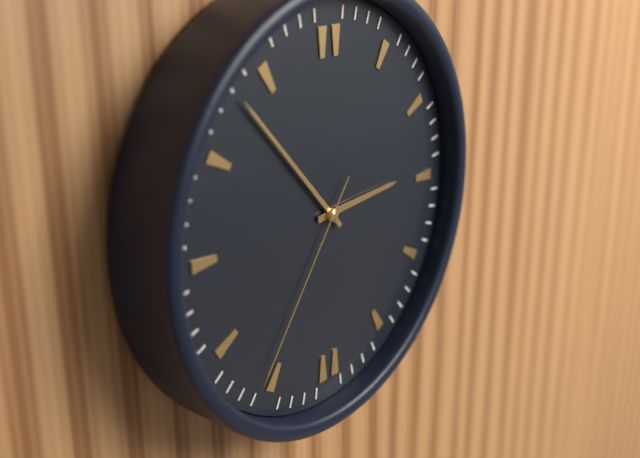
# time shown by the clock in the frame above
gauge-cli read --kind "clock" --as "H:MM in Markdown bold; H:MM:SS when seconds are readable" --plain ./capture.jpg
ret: **2:53:36**
